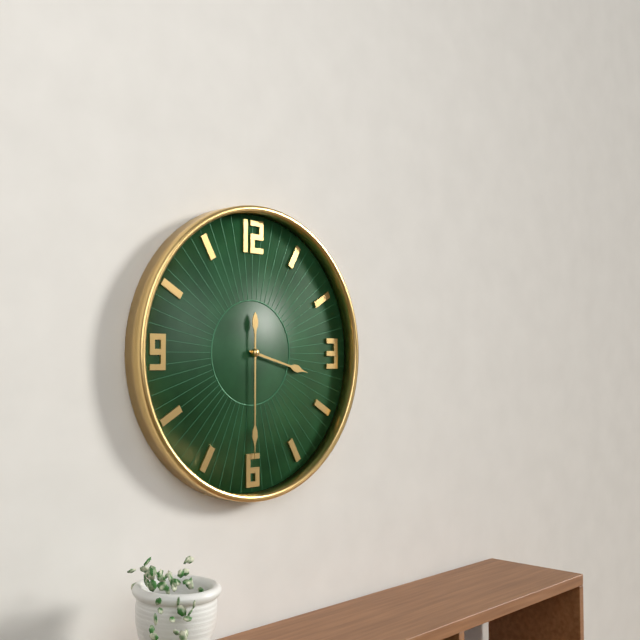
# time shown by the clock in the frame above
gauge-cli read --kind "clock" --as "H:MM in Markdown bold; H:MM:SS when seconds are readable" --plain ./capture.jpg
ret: **3:30**
